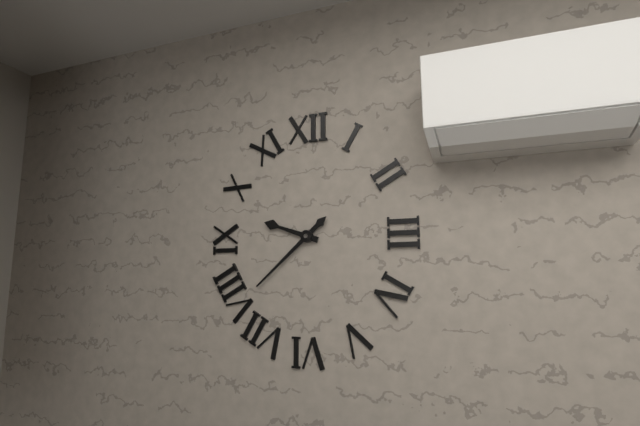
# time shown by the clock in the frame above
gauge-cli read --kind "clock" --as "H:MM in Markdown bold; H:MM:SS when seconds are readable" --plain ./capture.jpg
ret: **9:38**
